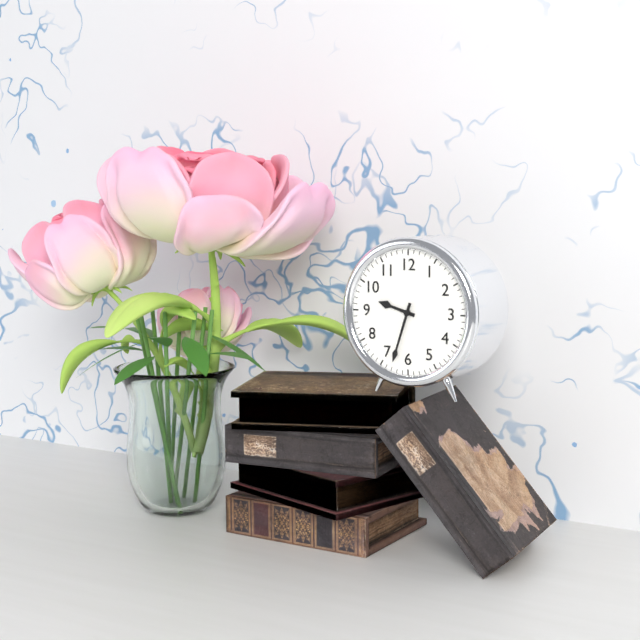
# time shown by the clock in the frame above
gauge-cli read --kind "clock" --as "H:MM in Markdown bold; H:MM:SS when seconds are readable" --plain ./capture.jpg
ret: **9:33**
